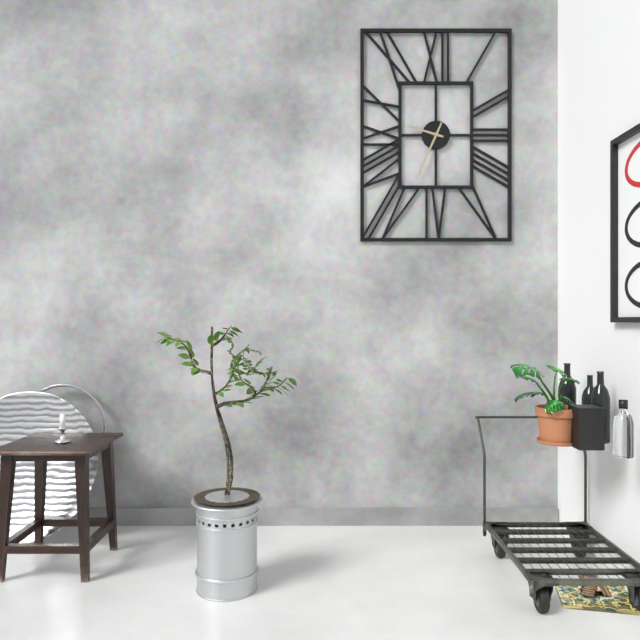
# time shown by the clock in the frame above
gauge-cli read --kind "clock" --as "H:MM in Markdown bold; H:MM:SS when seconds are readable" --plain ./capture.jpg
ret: **9:34**
